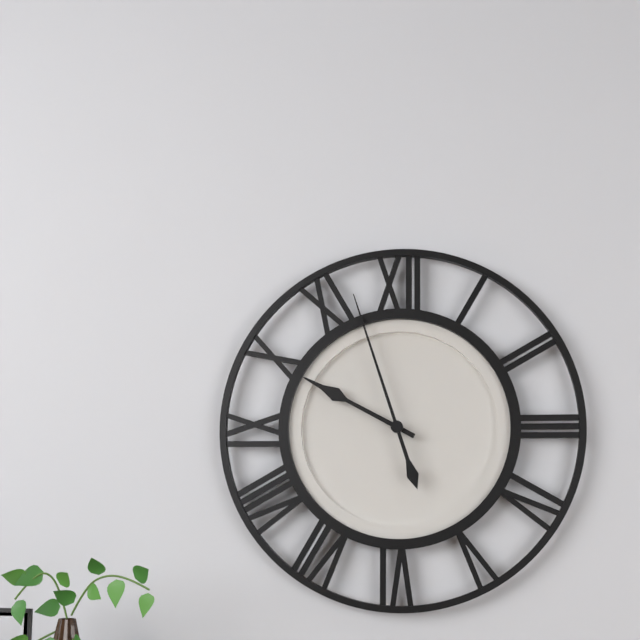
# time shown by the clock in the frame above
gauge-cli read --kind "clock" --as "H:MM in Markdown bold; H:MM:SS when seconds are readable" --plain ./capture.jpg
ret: **9:57**
